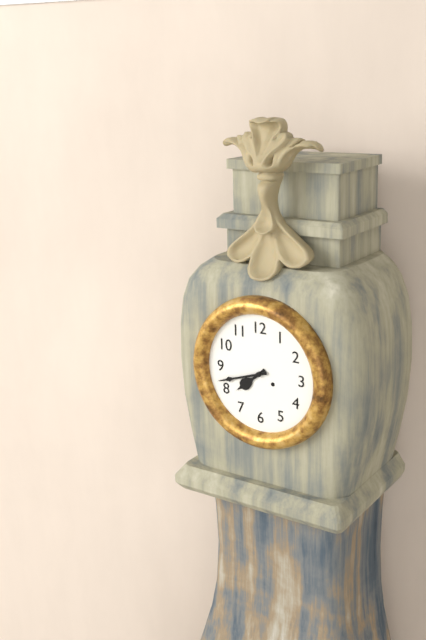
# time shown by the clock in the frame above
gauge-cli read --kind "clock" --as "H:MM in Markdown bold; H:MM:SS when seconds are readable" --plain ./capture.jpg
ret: **7:42**
